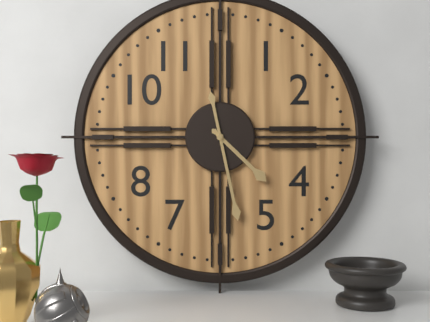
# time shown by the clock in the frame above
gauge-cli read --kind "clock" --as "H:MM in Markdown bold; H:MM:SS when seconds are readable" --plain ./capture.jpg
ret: **4:28**
